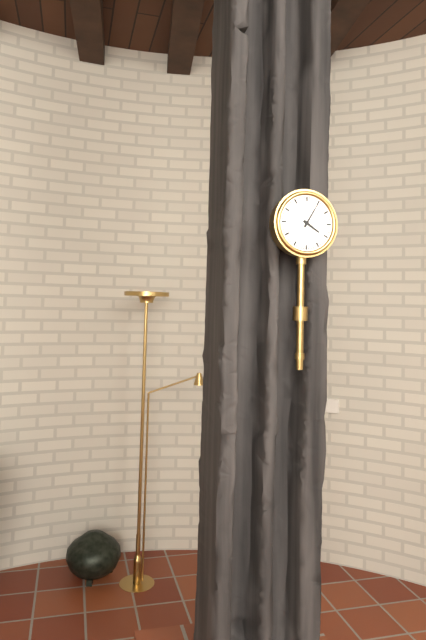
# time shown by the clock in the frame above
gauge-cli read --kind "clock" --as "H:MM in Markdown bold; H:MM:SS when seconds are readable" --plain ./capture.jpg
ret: **4:05**
